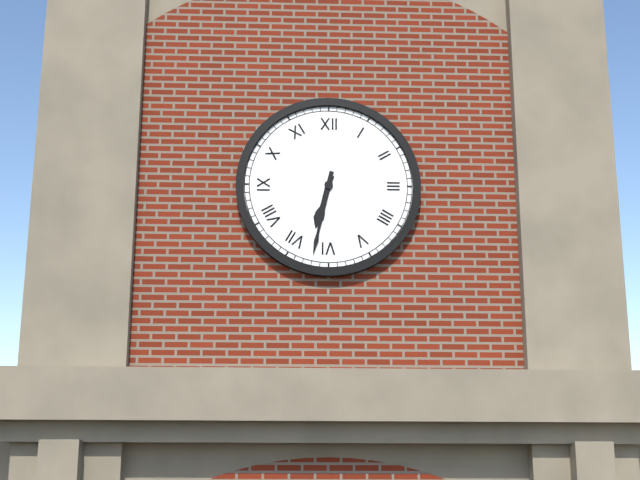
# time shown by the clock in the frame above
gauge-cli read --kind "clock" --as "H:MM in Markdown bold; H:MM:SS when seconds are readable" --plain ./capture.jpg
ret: **6:32**
